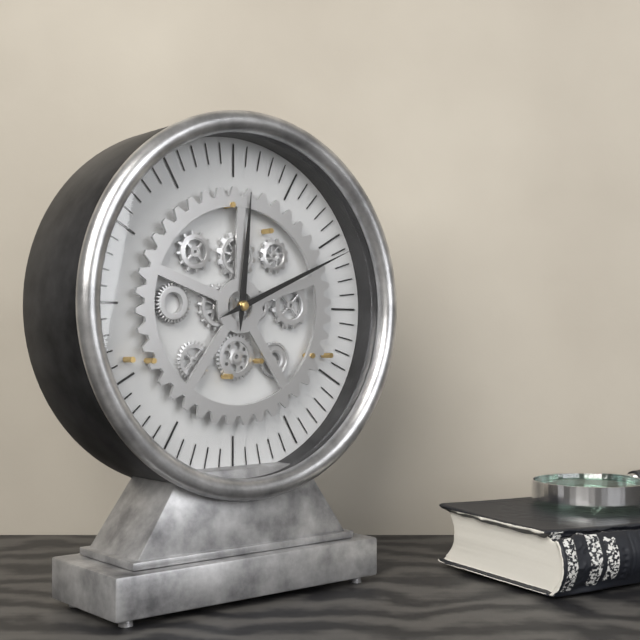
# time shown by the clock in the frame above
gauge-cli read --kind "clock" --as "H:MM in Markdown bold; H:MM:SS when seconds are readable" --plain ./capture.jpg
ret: **12:11**
